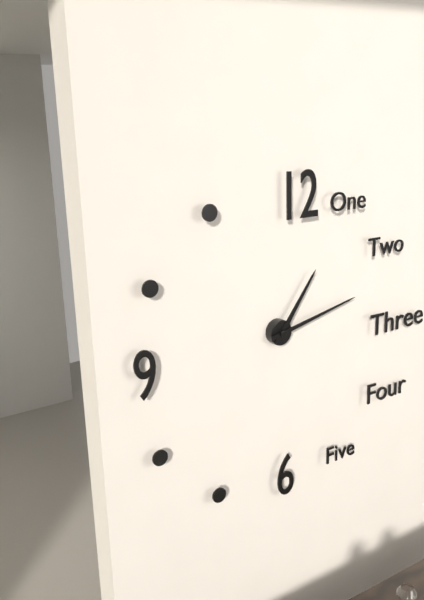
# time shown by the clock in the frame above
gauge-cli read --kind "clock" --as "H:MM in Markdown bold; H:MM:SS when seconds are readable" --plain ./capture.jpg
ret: **1:13**
